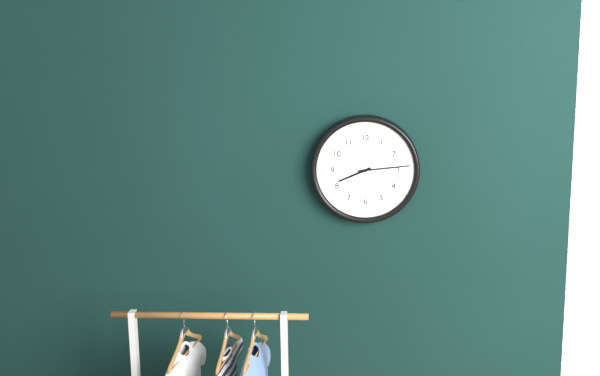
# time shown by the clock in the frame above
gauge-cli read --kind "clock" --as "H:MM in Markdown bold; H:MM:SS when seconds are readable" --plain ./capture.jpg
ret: **8:14**
